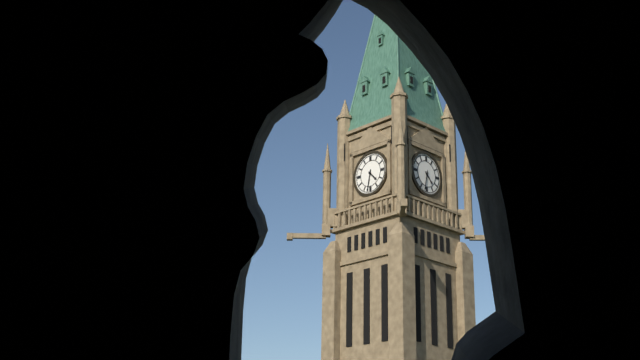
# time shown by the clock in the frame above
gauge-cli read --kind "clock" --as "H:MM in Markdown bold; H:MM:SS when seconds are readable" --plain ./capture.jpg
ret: **4:32**
